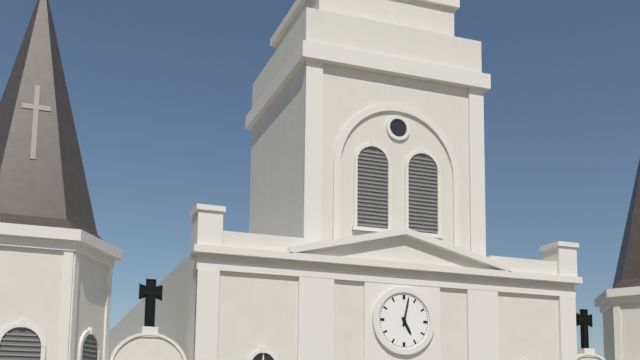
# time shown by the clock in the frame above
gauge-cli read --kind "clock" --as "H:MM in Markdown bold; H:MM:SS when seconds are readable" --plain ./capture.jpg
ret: **5:02**
